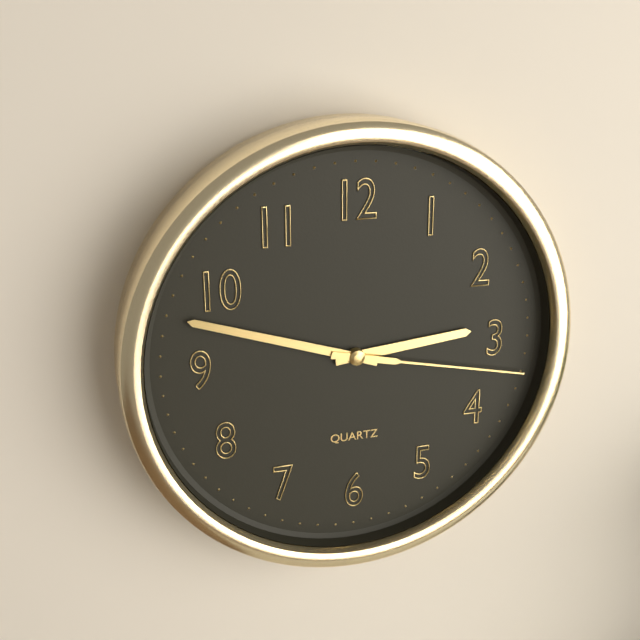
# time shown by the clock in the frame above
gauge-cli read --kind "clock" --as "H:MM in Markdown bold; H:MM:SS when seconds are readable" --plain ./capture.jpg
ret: **2:48:17**
